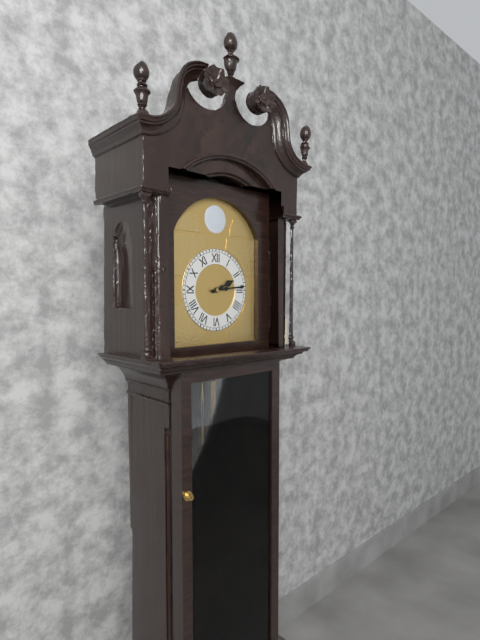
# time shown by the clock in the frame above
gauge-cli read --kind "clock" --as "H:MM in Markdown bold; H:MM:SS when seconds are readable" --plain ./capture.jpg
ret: **2:14**
